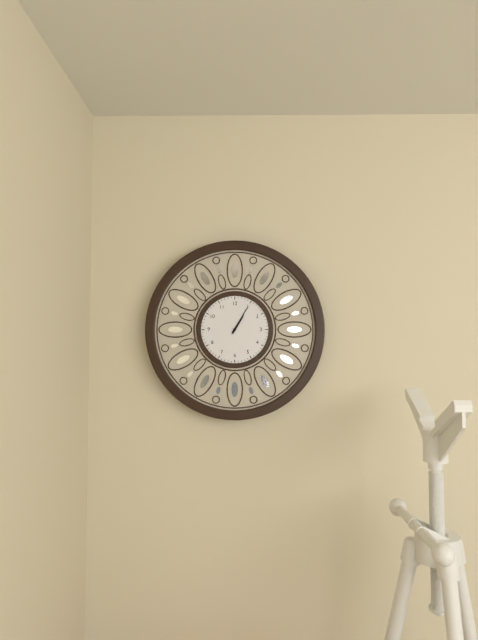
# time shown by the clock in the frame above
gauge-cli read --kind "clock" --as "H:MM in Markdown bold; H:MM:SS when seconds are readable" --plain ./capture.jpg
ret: **1:05**
